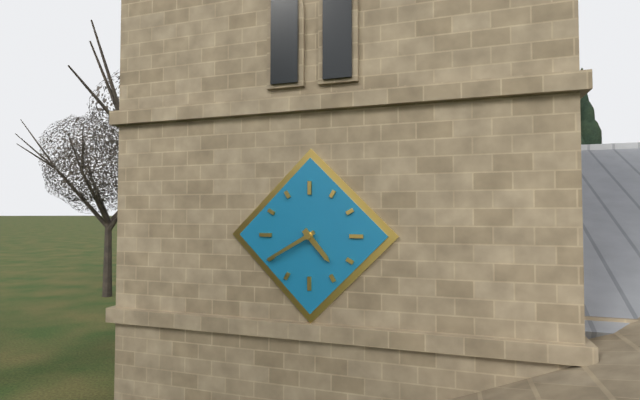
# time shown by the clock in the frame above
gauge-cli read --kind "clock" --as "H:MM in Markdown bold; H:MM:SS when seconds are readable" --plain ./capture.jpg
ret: **4:40**
